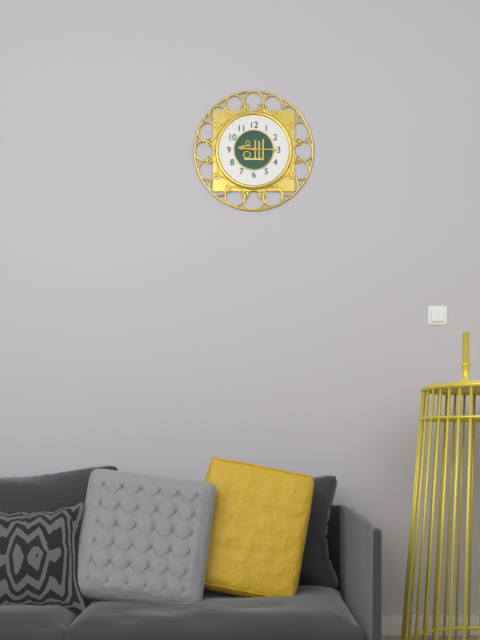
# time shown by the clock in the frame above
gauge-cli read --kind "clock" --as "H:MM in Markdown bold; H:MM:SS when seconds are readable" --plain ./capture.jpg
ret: **9:15**
